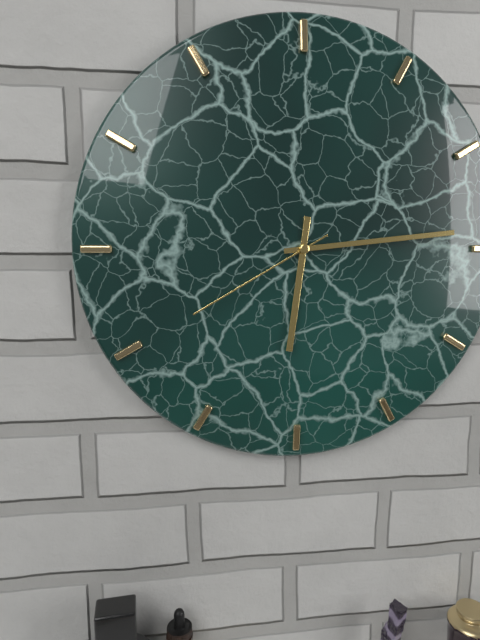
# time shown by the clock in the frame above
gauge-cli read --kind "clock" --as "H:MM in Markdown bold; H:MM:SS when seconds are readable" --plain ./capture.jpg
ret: **6:14:40**
